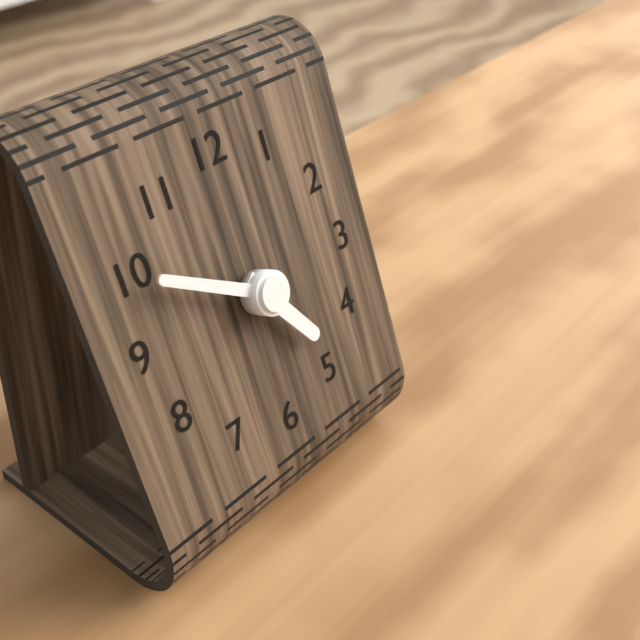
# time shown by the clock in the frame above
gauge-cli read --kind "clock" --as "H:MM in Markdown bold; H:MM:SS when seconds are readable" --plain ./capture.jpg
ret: **4:50**
